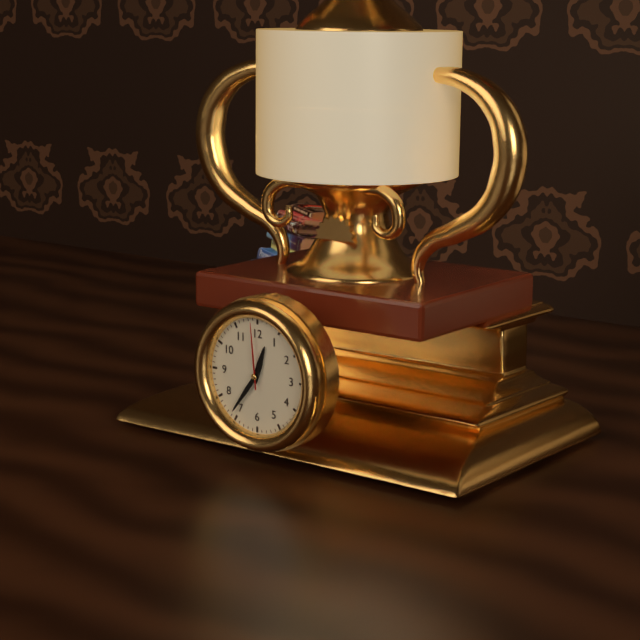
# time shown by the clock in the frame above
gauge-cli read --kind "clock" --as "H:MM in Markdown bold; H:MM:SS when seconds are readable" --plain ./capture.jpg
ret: **12:36:59**
